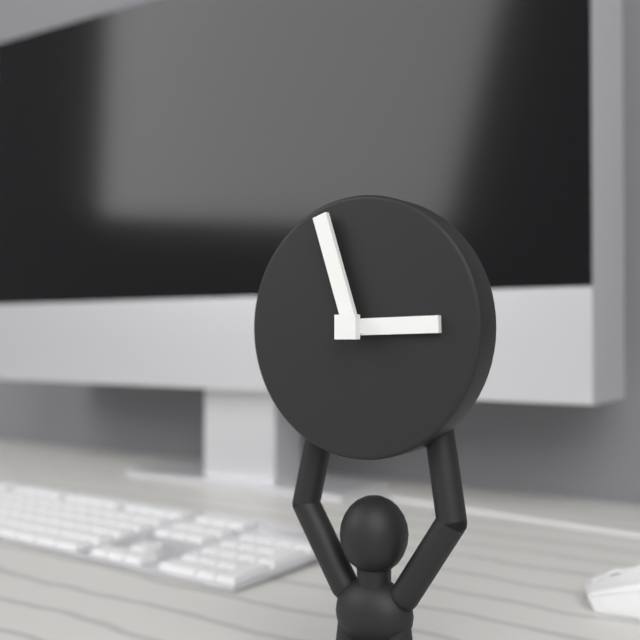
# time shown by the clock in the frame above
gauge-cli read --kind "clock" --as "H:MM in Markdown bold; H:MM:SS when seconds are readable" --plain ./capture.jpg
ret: **2:57**
